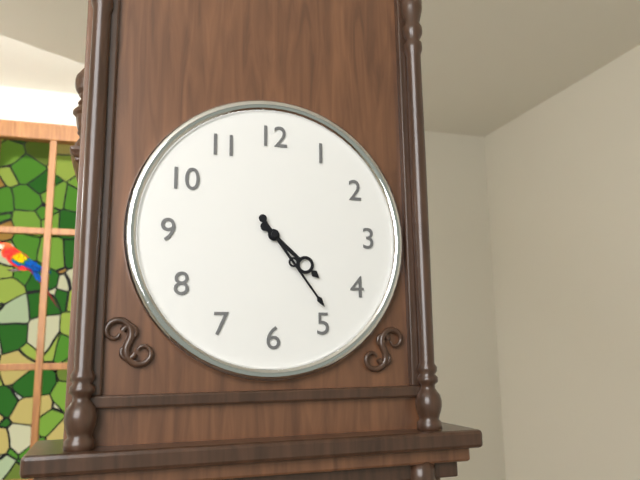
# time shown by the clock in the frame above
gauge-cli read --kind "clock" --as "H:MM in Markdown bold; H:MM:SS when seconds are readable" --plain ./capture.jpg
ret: **4:24**
